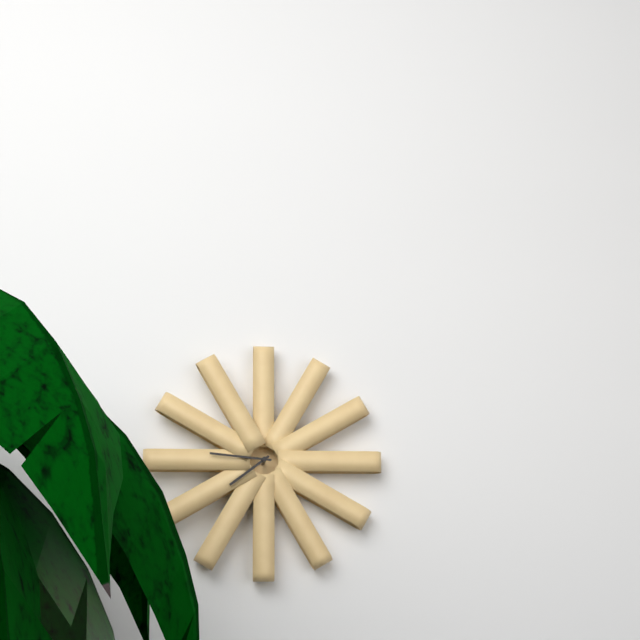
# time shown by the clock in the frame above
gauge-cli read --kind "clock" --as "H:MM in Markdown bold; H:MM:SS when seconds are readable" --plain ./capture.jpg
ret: **7:46**
